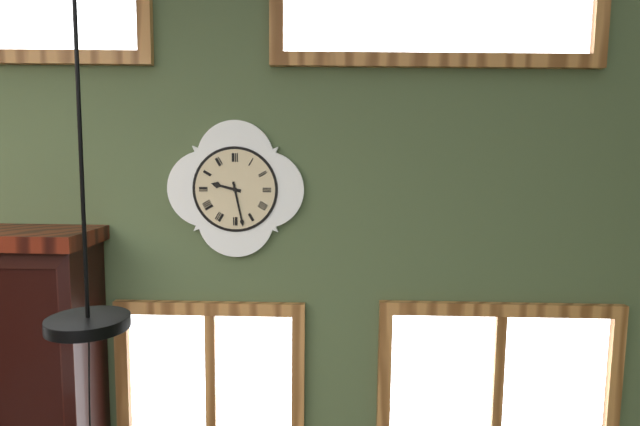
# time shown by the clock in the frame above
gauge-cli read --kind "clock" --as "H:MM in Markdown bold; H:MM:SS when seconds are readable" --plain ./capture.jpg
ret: **9:28**
